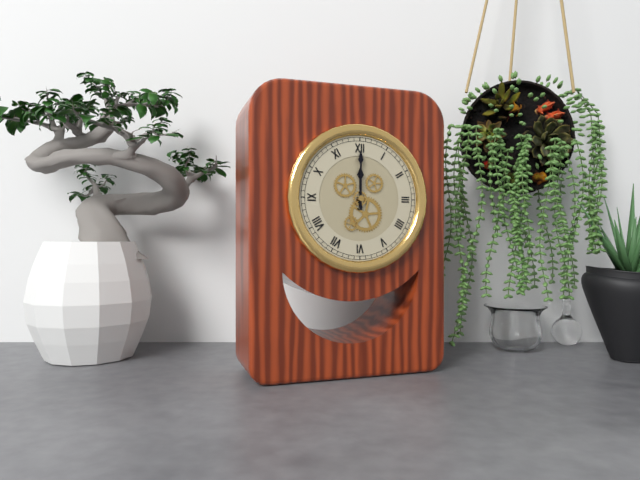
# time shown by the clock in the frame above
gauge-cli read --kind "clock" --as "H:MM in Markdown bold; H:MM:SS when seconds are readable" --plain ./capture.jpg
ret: **12:00**
